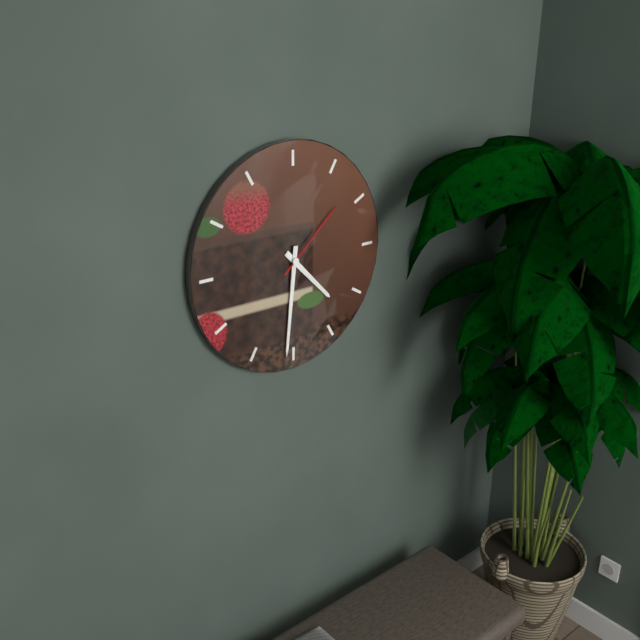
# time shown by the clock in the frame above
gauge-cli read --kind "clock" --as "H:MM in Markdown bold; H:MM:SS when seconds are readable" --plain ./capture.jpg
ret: **4:31:08**
